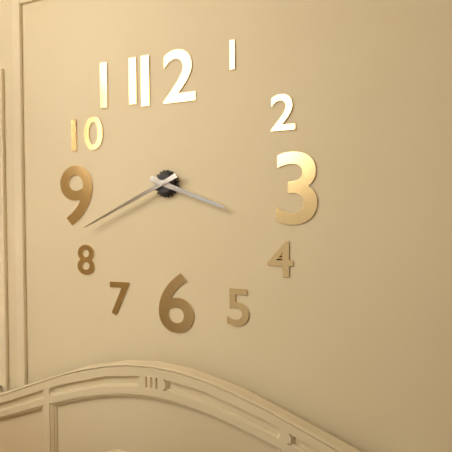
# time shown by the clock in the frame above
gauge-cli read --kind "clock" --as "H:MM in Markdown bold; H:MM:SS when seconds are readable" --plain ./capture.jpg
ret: **3:41**
